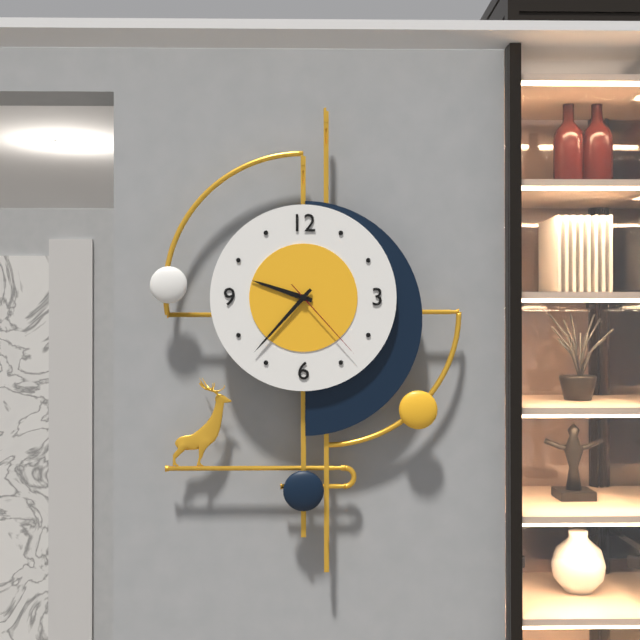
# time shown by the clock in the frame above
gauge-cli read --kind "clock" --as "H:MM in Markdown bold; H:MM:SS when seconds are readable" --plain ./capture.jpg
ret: **9:37:23**
